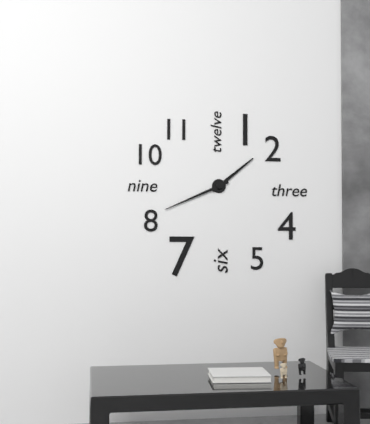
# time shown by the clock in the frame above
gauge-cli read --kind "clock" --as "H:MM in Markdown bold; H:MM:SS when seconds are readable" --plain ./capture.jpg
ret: **1:41**
